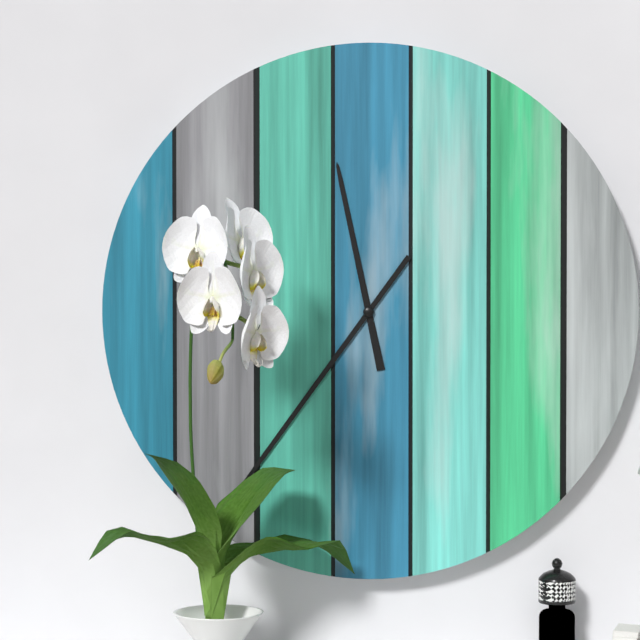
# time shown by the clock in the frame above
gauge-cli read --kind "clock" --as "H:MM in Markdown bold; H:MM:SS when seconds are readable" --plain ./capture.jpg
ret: **11:36**
